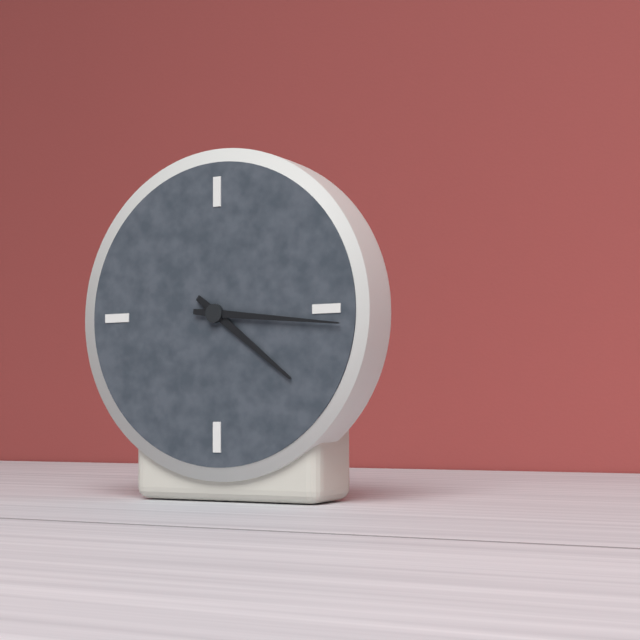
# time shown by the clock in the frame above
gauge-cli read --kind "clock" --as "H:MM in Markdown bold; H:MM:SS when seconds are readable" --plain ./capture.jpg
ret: **4:16**
